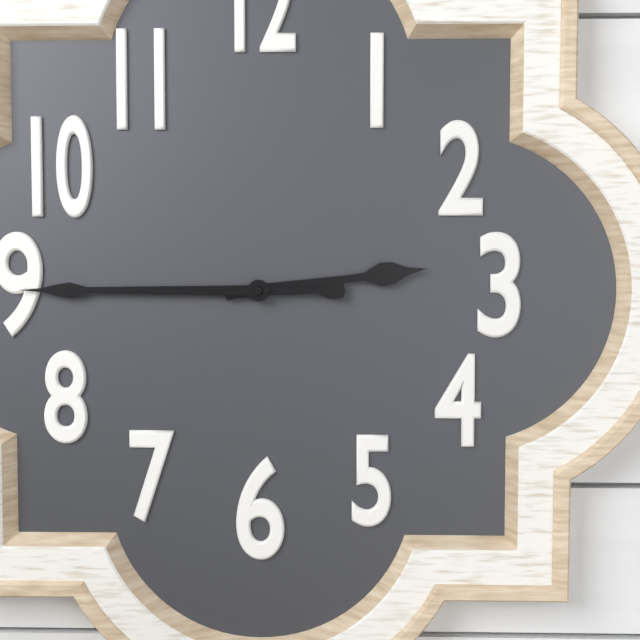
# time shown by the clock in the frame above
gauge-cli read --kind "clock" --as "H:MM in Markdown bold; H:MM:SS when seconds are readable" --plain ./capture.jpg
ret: **2:45**
